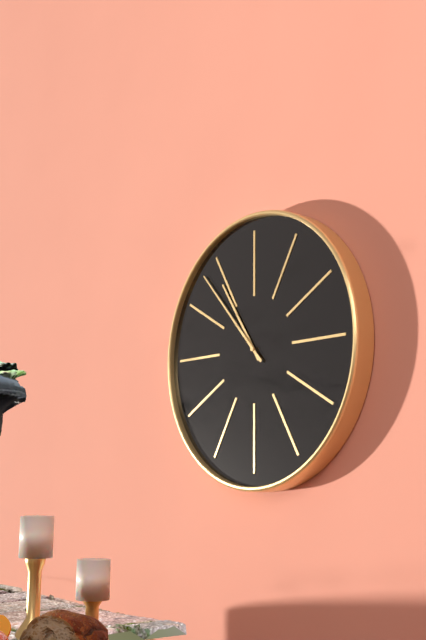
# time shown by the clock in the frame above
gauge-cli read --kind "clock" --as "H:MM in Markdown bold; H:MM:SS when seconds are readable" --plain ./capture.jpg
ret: **10:53**
